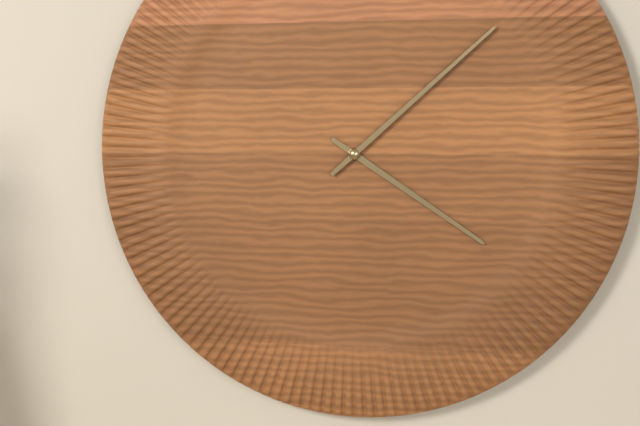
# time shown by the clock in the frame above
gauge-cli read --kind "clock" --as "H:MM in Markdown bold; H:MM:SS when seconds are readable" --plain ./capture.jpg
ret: **4:08**
